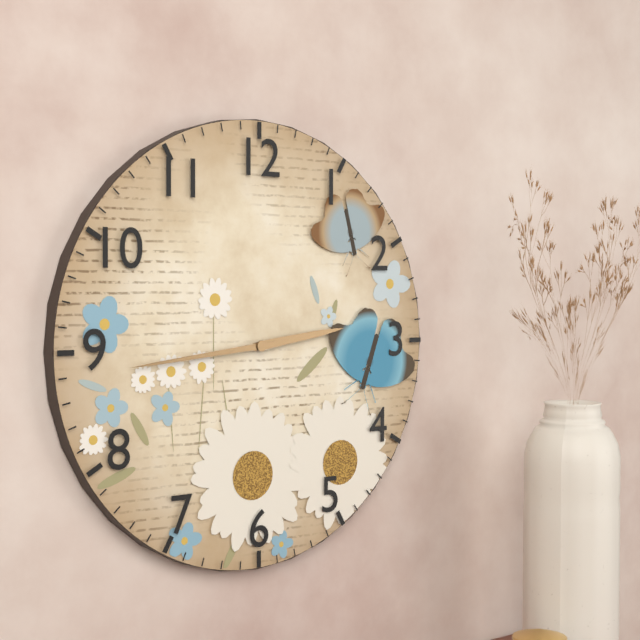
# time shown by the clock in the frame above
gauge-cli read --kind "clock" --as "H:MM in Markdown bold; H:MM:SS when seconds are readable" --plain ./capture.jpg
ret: **2:44**
